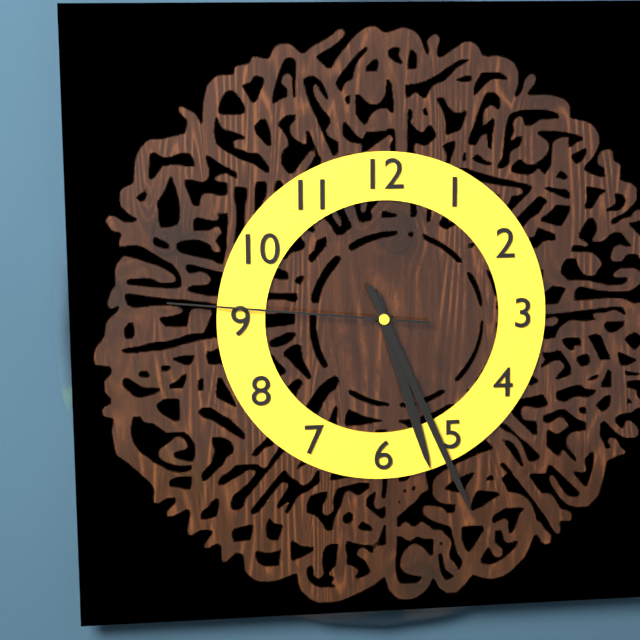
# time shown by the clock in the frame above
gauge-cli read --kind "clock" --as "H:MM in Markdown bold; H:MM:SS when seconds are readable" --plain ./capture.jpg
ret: **5:26:46**
